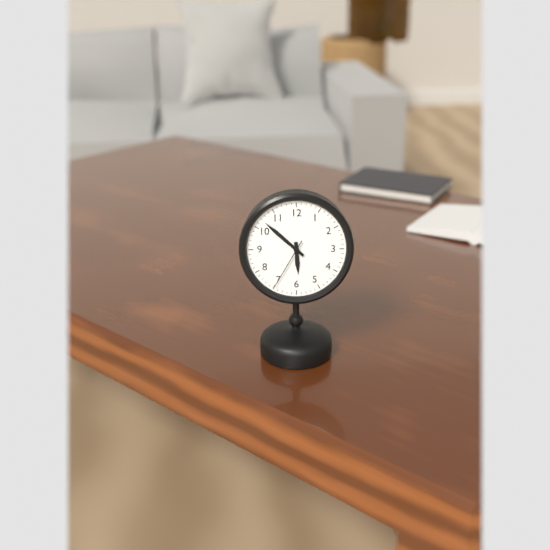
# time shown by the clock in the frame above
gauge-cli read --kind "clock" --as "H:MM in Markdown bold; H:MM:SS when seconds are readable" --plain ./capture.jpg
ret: **5:52:35**
